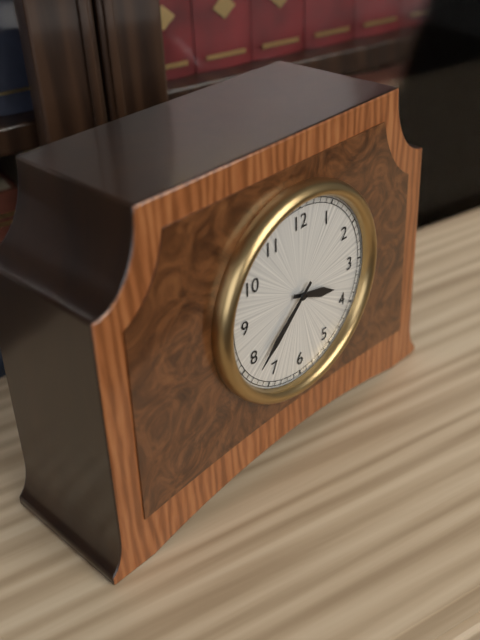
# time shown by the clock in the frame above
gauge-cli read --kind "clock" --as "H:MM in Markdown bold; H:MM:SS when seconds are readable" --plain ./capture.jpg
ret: **3:38**
